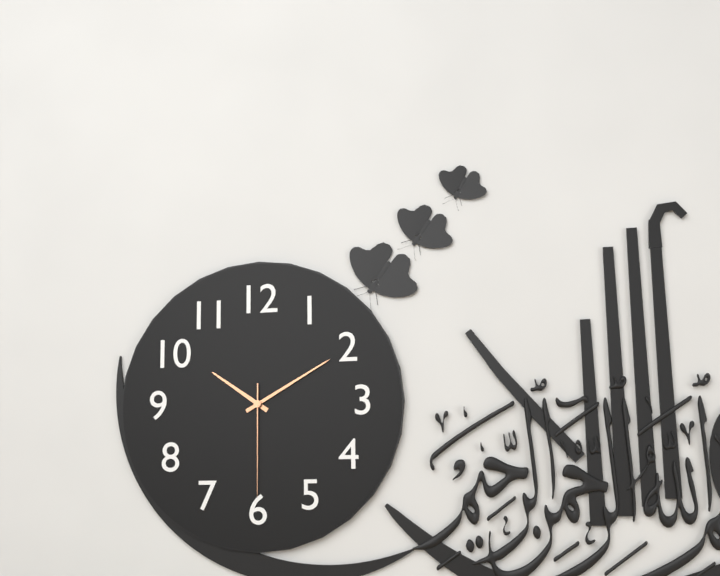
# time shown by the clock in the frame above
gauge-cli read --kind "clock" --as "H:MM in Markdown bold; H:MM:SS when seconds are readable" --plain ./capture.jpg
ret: **10:10:30**
